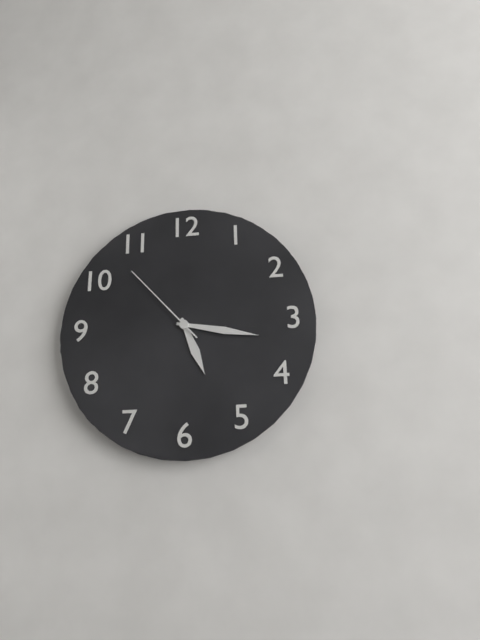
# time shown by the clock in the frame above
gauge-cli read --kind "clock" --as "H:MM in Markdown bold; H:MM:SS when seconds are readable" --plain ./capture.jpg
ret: **5:17:53**
